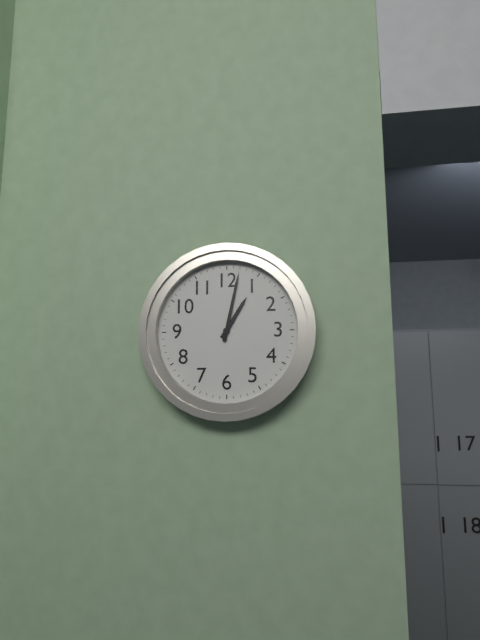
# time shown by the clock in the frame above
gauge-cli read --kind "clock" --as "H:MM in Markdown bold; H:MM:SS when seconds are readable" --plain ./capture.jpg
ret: **1:02**
